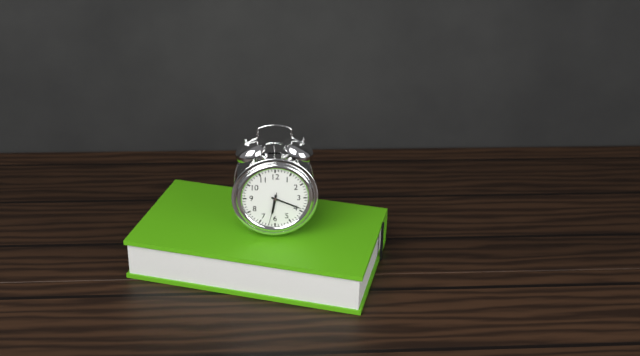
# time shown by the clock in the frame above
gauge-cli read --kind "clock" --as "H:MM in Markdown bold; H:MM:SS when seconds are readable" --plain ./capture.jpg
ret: **6:19**
